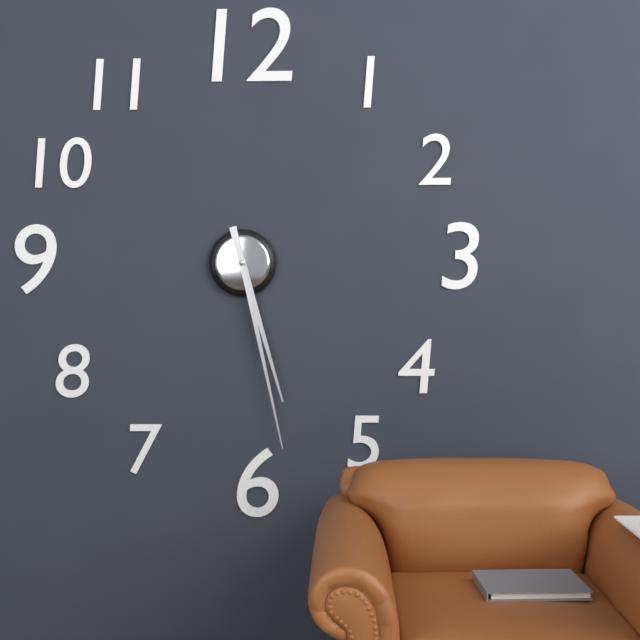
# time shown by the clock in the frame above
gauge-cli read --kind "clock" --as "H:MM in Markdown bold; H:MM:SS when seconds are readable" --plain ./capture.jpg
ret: **5:28**
